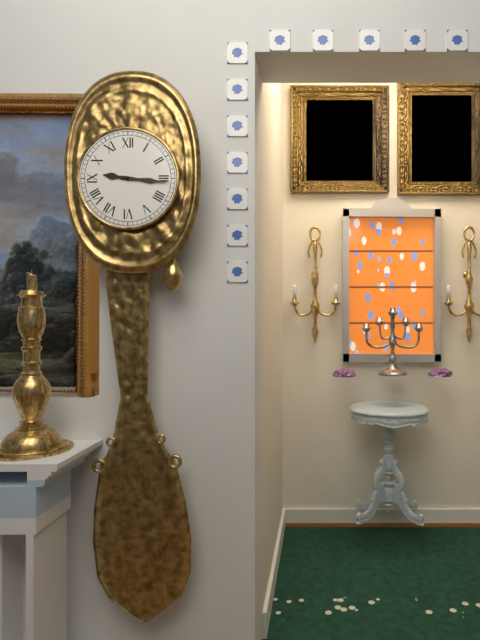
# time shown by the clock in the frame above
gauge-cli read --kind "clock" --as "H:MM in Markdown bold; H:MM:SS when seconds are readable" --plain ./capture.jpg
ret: **9:16**
